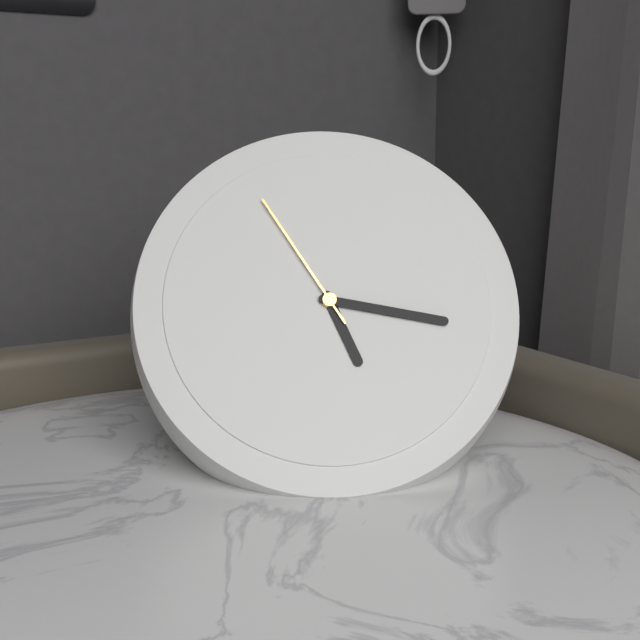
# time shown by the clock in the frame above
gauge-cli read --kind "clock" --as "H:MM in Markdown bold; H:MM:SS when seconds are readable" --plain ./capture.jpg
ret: **5:17:55**
